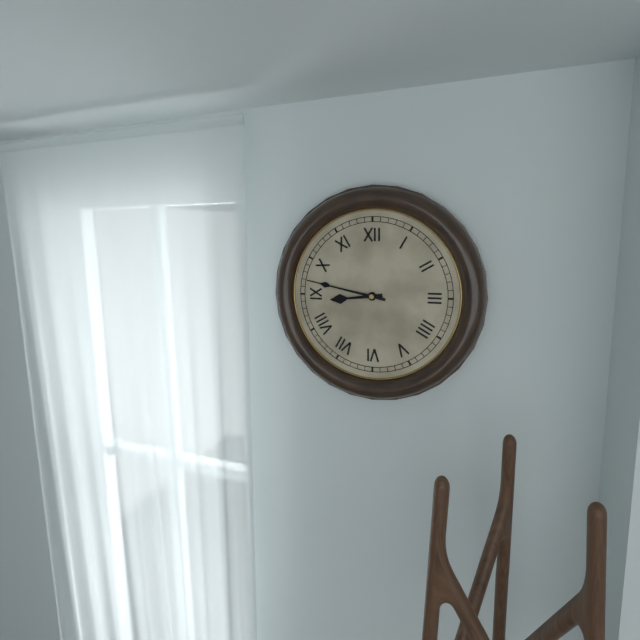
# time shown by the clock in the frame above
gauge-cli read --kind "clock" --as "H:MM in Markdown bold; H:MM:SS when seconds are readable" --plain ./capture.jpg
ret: **8:47**
